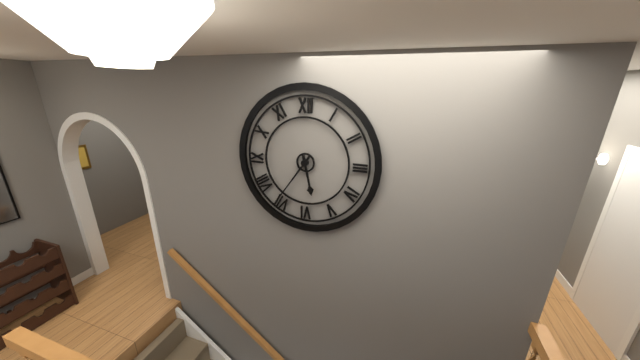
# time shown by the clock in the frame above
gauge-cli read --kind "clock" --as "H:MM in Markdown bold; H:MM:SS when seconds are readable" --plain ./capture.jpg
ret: **5:36**
